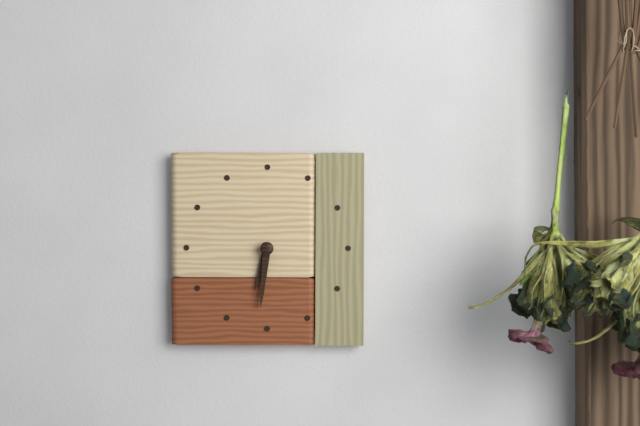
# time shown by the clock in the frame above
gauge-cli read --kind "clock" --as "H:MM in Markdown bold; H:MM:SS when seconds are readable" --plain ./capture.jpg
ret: **6:31**
